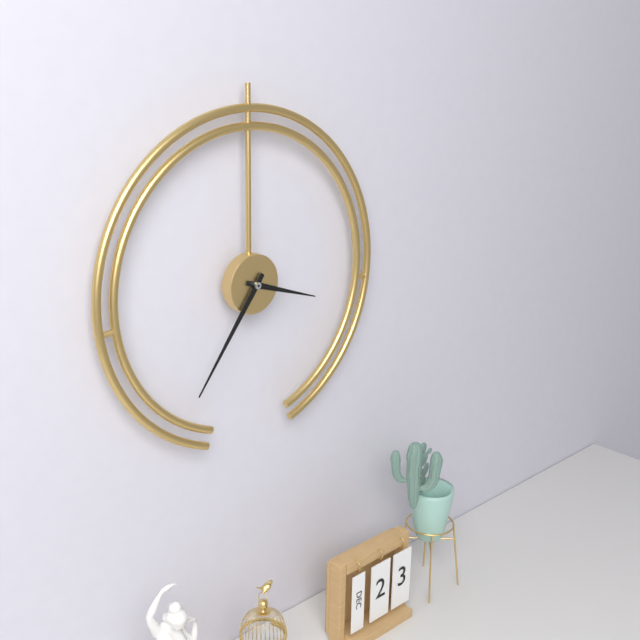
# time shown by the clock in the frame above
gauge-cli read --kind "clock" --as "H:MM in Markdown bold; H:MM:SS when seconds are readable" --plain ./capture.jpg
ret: **3:36**
